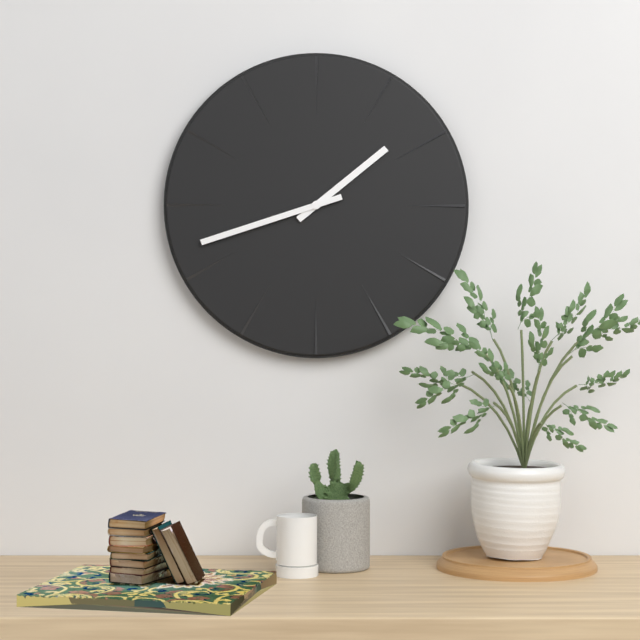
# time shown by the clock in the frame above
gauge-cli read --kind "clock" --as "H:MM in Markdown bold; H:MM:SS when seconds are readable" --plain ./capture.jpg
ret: **1:42**
